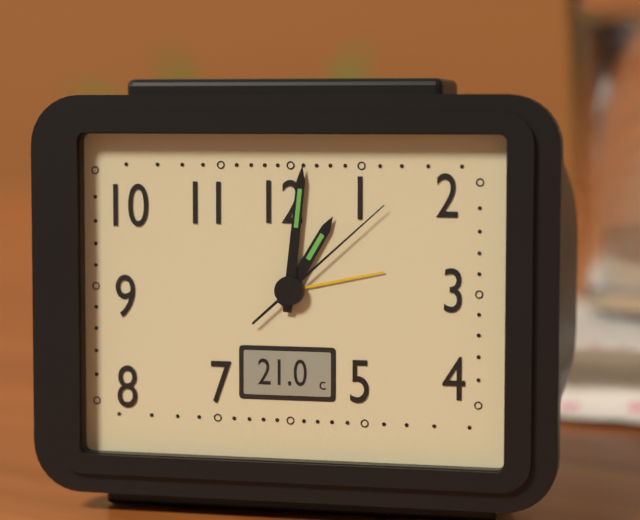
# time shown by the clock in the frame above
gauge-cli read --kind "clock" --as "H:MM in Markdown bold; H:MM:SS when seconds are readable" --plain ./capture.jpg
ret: **1:01:08**
